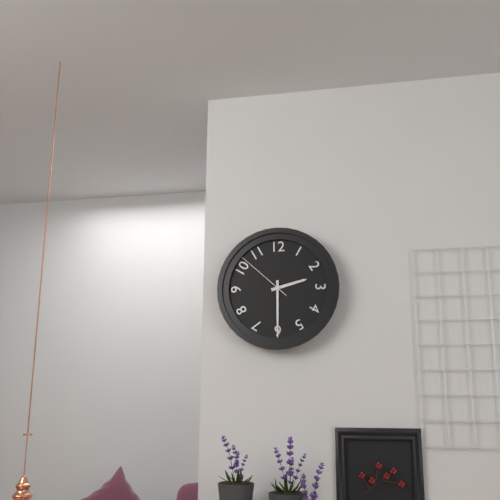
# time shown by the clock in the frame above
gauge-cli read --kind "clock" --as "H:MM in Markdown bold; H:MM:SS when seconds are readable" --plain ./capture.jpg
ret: **2:30:52**
